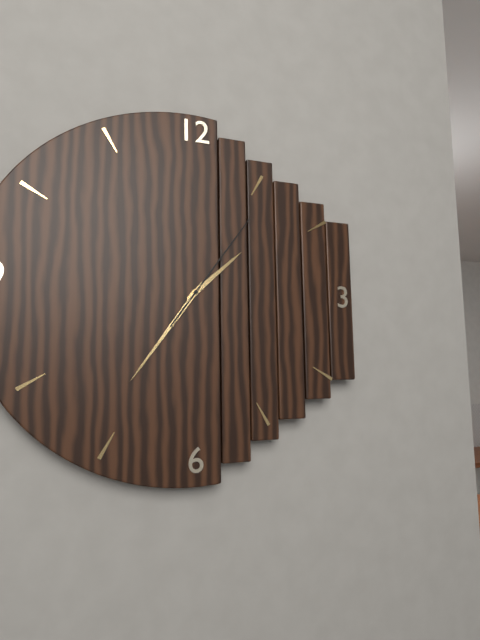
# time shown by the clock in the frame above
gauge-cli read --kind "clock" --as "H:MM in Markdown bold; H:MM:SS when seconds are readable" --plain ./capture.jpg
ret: **1:36:06**
